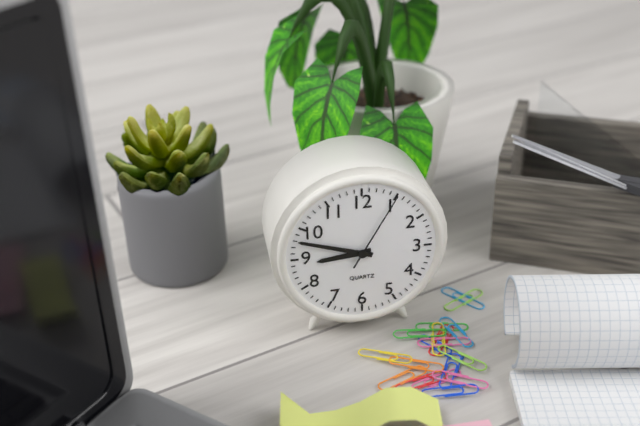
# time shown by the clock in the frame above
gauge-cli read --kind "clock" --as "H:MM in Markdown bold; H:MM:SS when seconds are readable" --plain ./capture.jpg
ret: **8:48:05**
